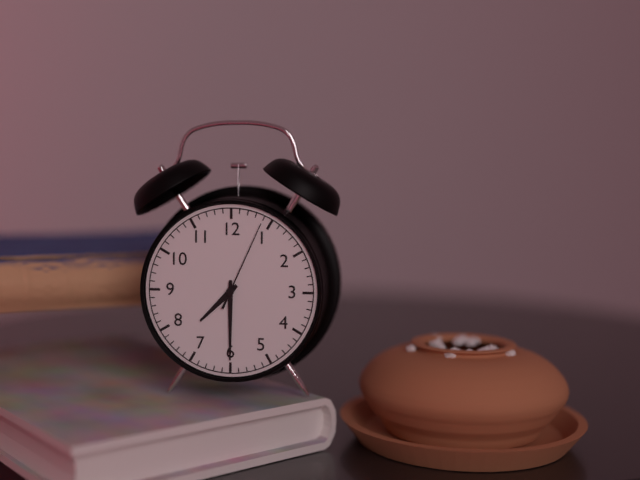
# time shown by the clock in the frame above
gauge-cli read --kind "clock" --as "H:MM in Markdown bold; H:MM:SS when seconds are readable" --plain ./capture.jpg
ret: **7:30:04**
